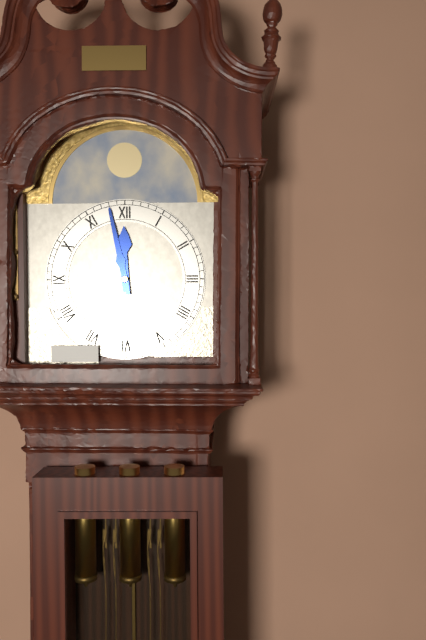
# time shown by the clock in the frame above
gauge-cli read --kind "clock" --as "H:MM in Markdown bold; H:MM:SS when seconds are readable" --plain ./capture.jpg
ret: **11:58**
